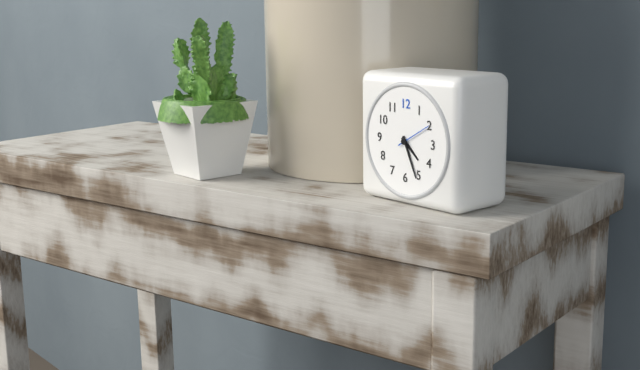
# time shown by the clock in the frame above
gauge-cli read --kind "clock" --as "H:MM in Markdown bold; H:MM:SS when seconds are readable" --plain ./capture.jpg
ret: **4:26**
